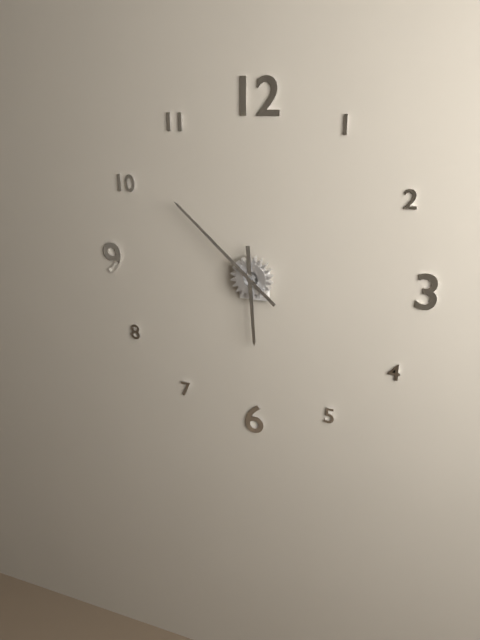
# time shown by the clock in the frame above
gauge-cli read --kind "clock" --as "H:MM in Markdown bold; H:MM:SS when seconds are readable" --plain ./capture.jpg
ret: **5:52**
